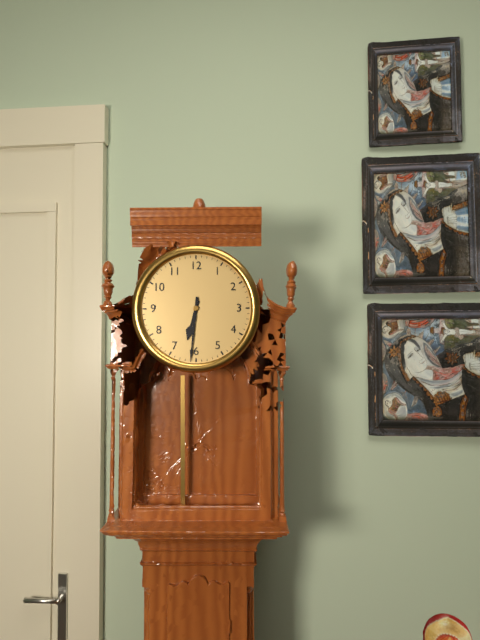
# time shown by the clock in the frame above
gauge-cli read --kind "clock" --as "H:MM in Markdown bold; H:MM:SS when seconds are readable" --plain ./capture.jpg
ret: **6:31**
